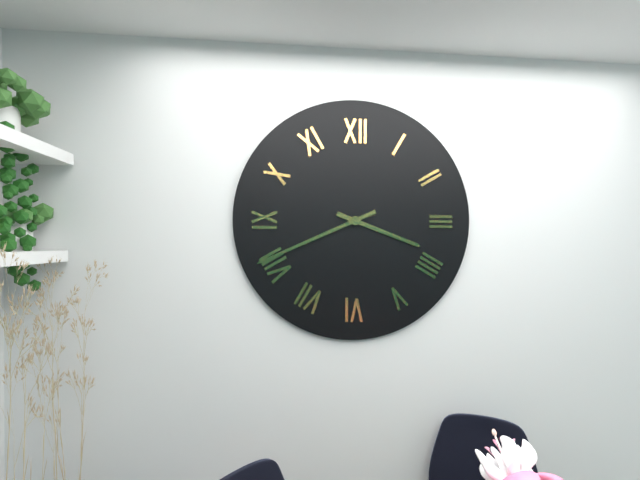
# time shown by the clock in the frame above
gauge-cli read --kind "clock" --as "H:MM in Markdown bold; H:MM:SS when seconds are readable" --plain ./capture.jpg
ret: **3:41**
